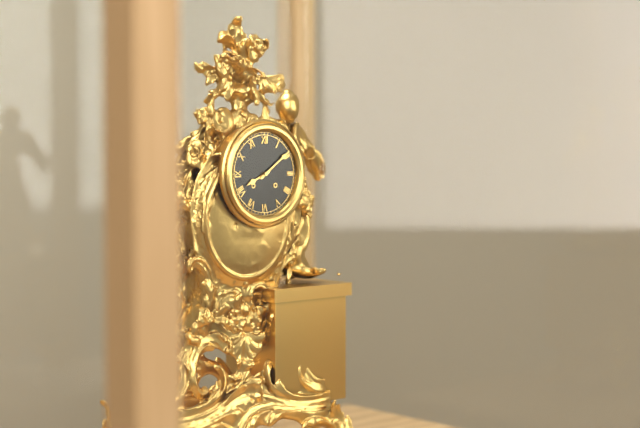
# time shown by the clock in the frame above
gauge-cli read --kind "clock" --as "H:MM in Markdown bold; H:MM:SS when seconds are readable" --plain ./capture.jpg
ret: **8:09**
